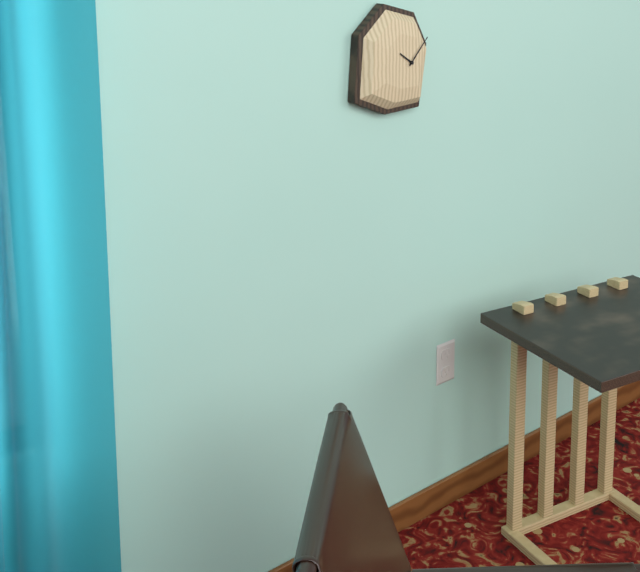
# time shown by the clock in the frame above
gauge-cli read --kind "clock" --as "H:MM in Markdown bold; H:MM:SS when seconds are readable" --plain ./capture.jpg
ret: **10:07**
